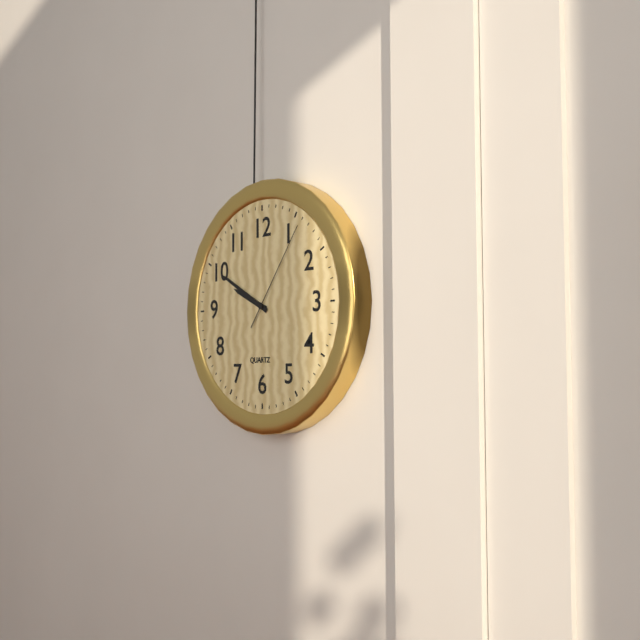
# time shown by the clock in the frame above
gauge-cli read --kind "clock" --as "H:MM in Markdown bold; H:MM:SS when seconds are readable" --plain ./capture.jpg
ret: **9:50:06**
